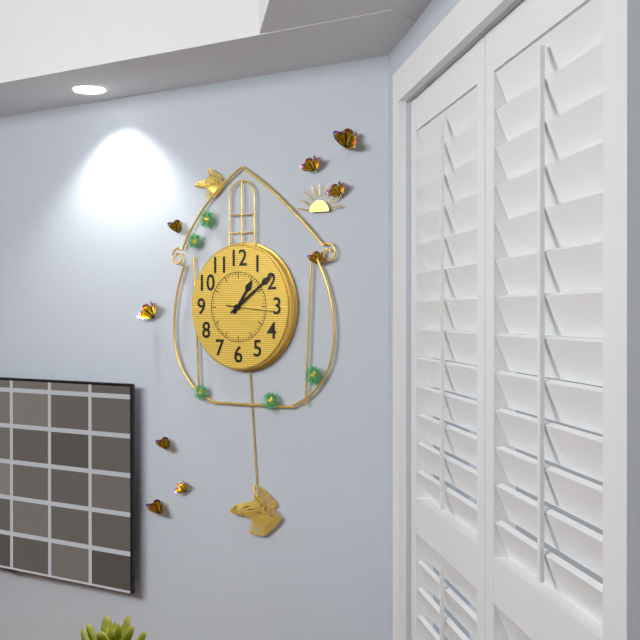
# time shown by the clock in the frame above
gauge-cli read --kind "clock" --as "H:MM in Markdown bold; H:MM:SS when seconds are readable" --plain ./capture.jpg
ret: **1:09:16**
